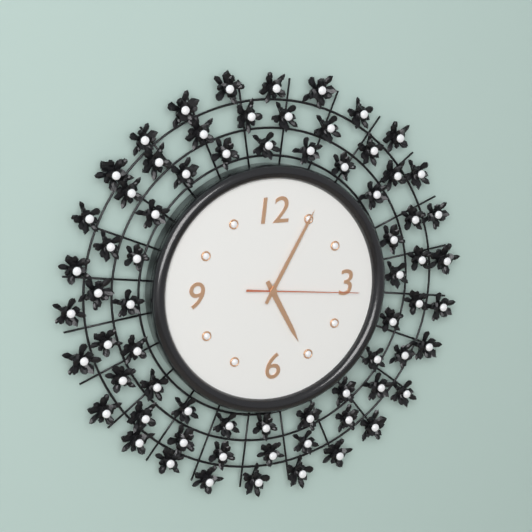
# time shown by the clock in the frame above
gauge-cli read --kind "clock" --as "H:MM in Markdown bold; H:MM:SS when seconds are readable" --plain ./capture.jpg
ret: **5:05:16**
